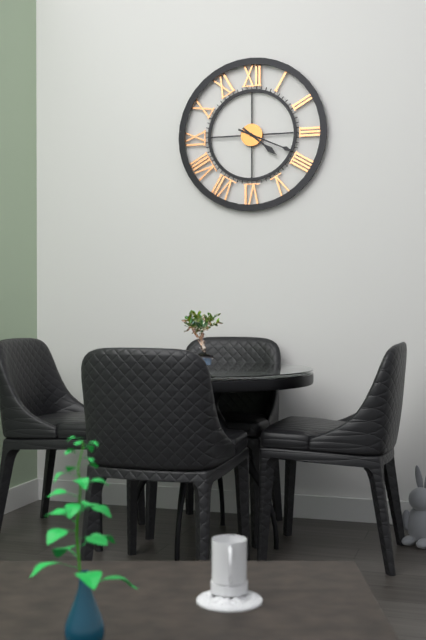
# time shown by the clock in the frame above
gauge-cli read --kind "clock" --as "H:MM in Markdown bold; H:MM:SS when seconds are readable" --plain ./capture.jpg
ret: **4:19**
